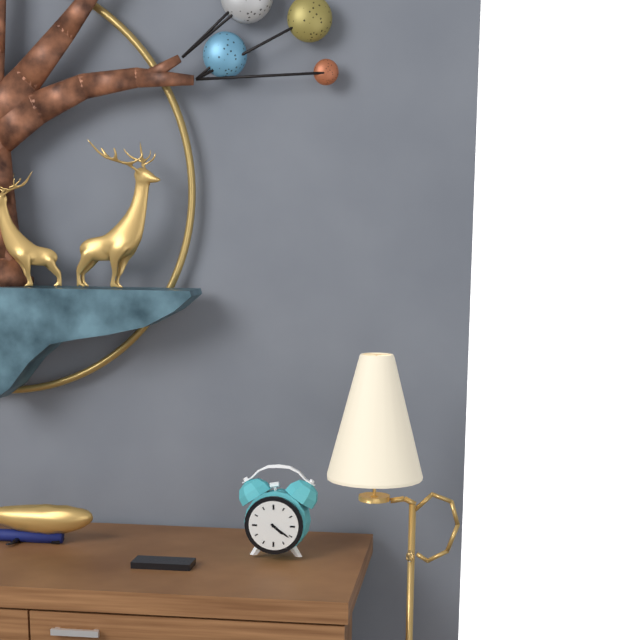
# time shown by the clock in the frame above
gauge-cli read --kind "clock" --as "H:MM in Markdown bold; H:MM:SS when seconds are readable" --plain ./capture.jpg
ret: **4:21**
